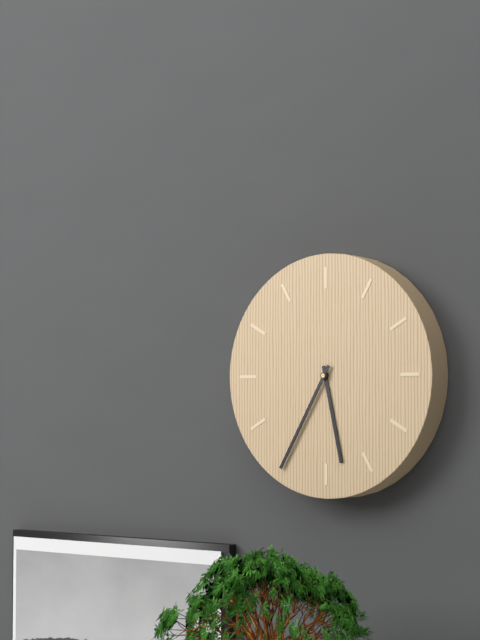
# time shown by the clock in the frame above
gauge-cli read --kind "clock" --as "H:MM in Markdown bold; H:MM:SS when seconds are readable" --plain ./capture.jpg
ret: **5:35**
